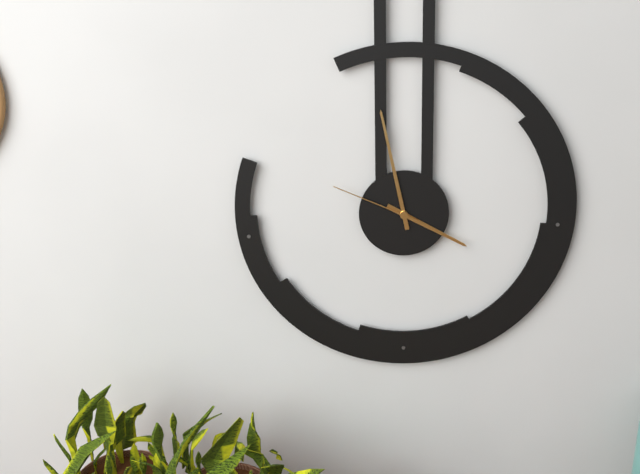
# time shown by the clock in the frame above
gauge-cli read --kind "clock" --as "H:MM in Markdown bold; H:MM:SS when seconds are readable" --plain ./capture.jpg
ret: **3:58:49**
